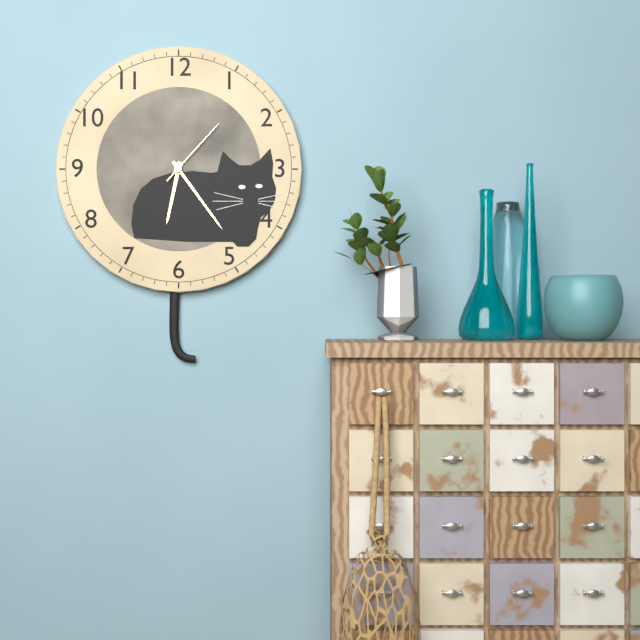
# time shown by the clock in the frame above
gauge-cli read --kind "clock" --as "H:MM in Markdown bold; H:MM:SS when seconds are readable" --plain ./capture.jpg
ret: **6:24:07**
